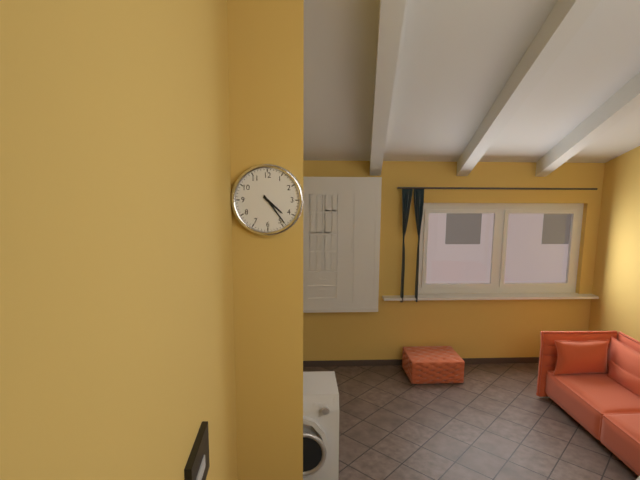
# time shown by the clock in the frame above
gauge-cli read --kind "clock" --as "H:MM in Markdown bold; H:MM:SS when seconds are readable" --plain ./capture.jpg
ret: **4:24**
